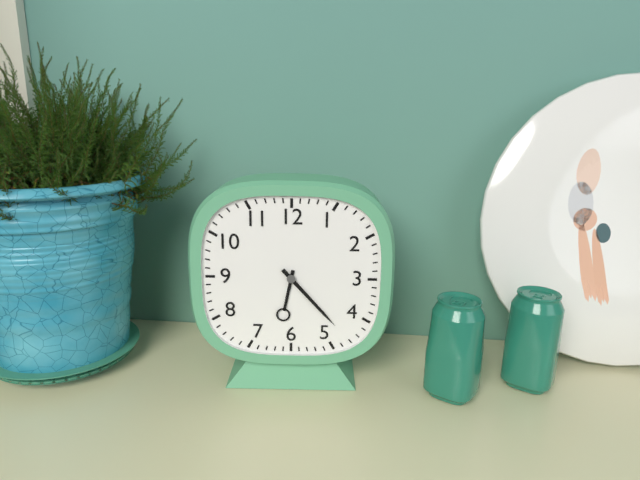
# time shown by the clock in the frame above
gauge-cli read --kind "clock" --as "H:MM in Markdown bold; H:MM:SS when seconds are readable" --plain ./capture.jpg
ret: **6:23**
